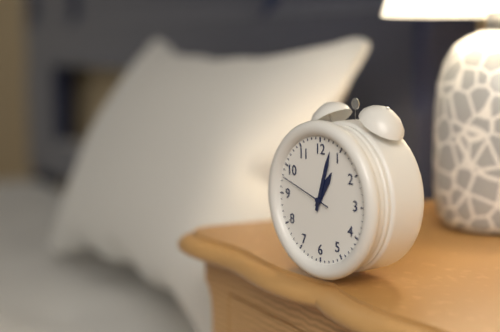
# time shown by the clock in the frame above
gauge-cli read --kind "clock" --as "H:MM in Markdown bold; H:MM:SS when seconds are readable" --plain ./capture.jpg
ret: **1:03:48**
